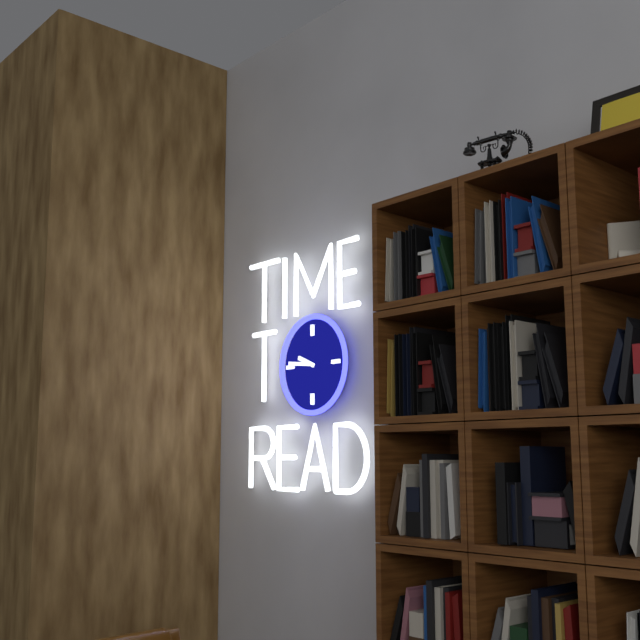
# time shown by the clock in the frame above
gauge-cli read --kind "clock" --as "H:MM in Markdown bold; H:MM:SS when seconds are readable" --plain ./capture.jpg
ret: **9:46**
